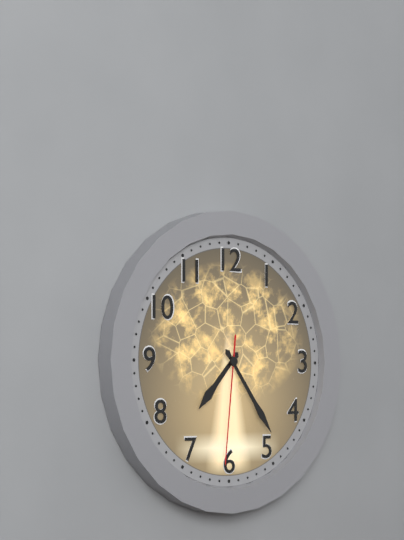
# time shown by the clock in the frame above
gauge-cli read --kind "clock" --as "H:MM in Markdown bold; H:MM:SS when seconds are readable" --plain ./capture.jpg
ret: **7:24:31**
